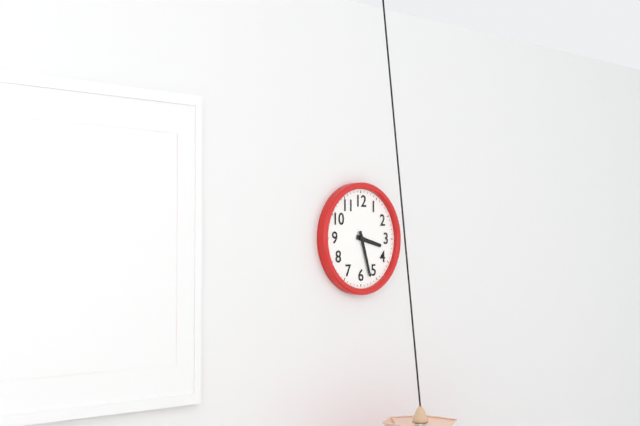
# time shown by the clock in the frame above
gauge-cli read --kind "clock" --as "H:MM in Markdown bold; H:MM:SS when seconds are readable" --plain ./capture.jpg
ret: **3:27**
